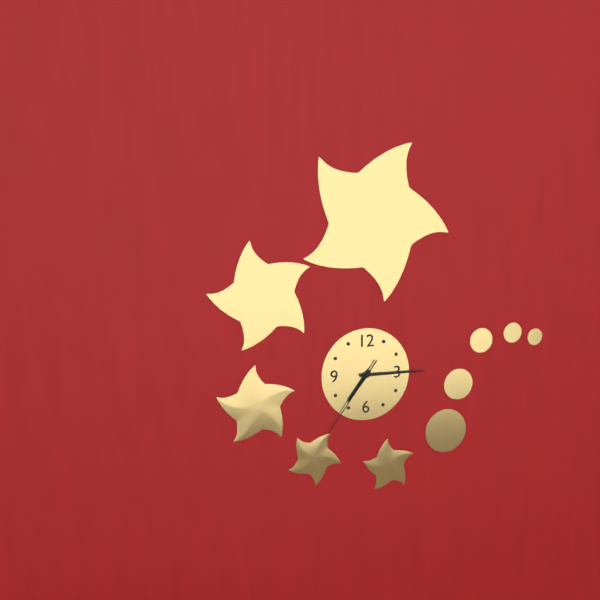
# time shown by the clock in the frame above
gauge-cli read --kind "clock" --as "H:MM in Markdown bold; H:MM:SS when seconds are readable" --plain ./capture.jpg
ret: **7:15:36**
